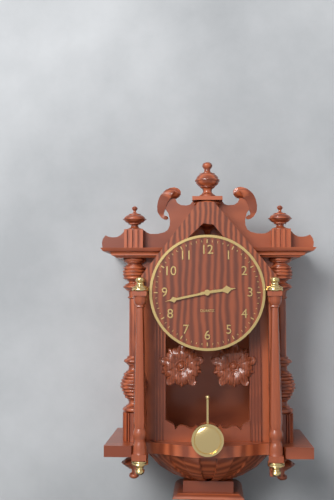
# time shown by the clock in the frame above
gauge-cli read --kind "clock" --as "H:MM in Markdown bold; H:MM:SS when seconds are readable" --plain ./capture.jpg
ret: **2:43**
